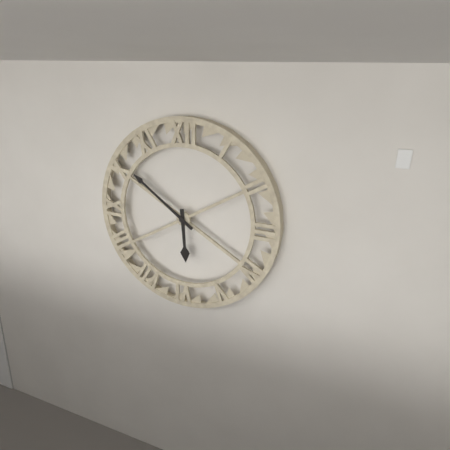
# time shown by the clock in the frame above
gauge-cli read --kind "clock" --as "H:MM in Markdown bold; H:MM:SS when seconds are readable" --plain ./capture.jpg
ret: **5:51**
